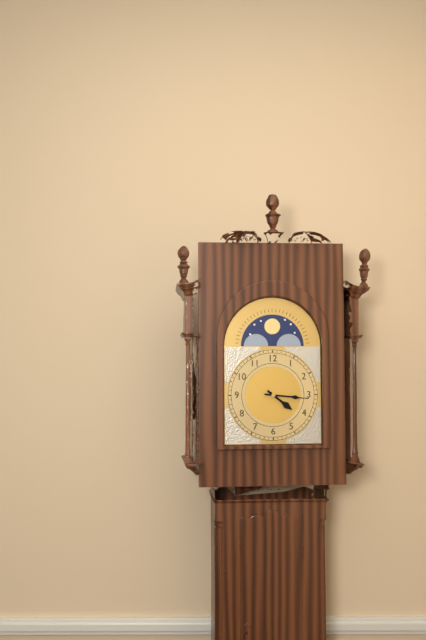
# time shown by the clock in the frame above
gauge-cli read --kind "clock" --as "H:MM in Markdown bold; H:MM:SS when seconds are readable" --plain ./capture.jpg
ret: **4:16**
